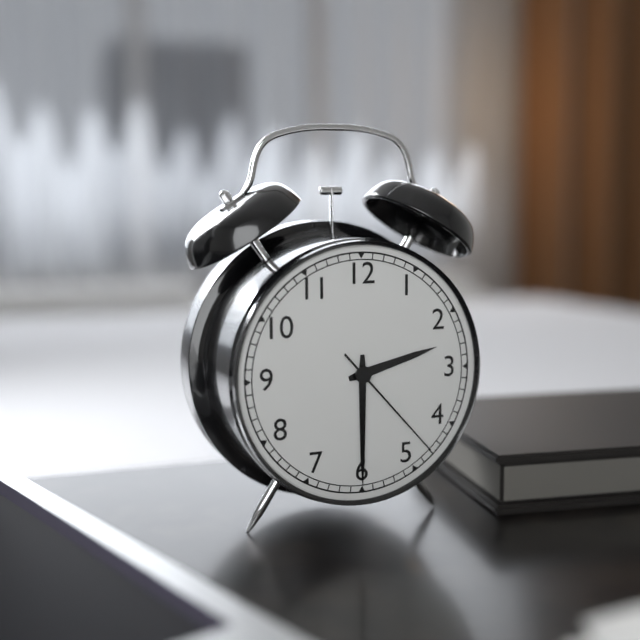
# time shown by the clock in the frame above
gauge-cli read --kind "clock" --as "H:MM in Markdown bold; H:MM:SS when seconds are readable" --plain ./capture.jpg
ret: **2:30:23**
